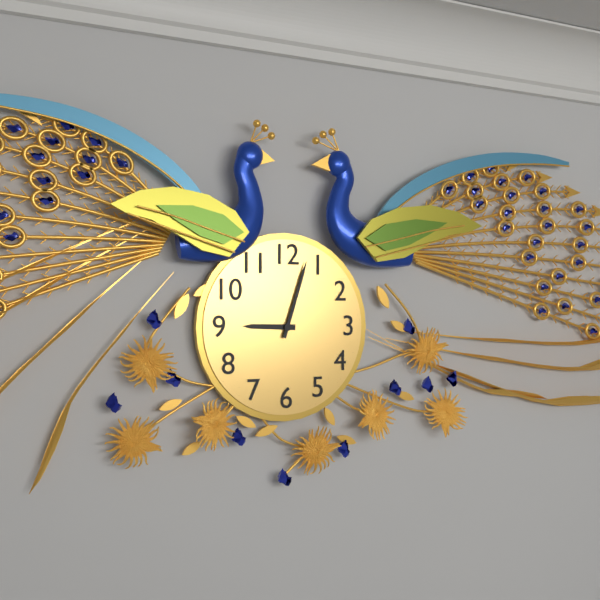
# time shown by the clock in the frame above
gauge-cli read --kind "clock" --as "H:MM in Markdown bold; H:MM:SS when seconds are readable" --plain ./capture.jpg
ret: **9:03**
